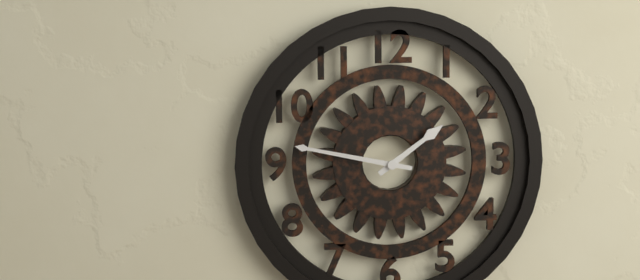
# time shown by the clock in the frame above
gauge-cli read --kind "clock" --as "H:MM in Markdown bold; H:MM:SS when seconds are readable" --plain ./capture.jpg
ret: **1:47**
